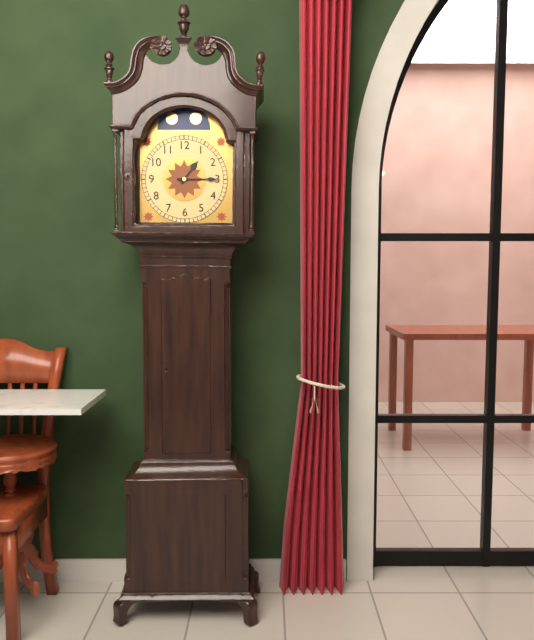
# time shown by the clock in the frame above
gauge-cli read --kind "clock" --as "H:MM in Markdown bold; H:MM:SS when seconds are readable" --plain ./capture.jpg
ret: **1:15**
